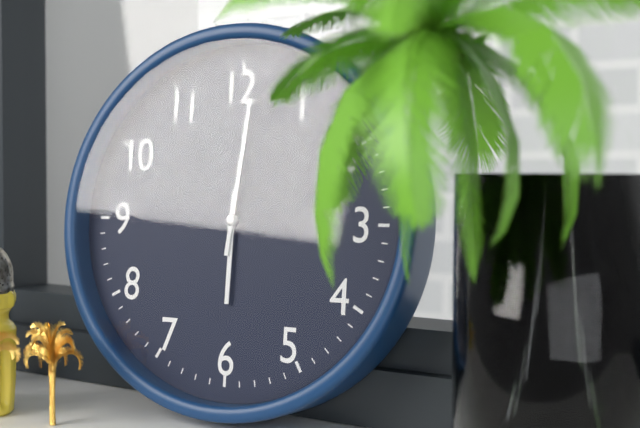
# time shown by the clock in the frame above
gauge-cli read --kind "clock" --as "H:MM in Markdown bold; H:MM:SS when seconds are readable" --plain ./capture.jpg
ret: **6:01**
